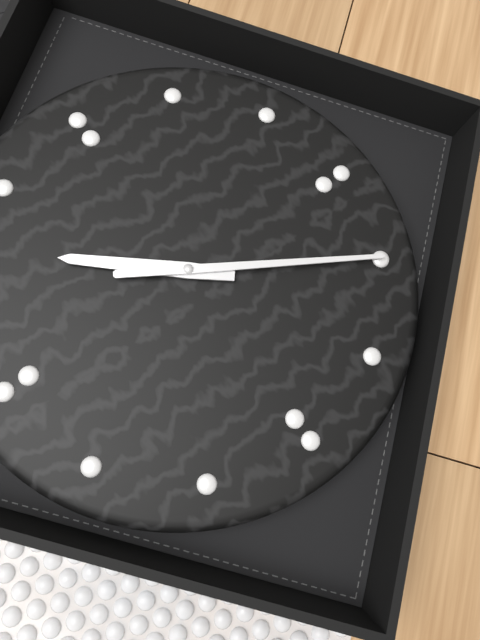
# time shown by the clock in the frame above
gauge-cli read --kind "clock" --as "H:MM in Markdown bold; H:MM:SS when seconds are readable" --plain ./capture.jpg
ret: **10:20**
